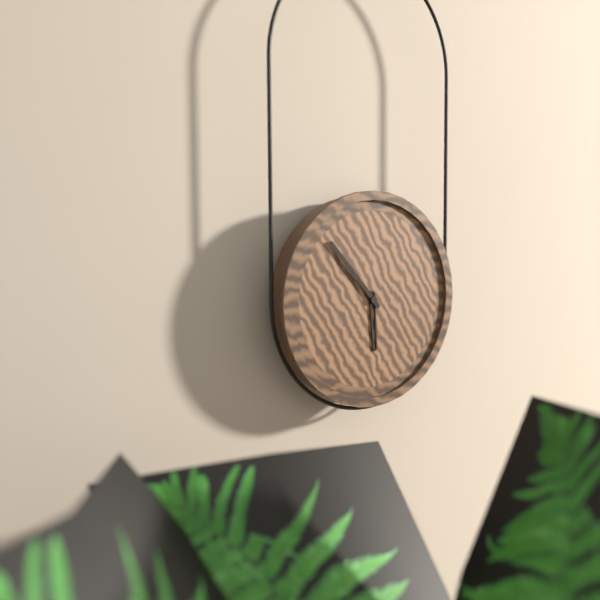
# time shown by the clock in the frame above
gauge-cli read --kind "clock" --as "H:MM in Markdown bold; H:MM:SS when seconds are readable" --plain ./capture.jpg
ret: **5:53**
